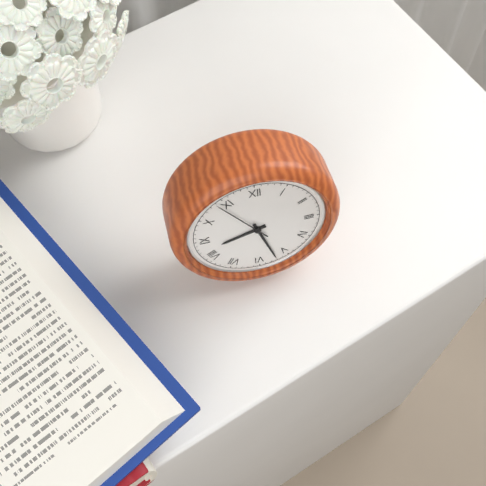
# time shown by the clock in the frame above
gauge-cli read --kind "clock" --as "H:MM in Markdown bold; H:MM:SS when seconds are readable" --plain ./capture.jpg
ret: **8:27:54**
